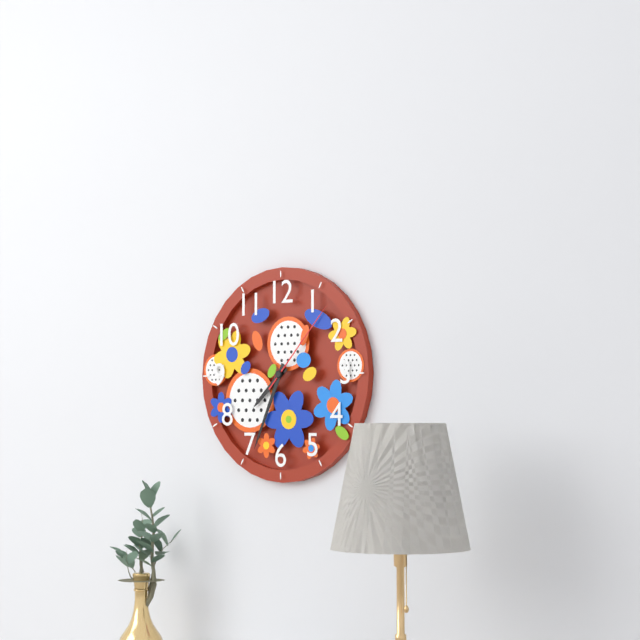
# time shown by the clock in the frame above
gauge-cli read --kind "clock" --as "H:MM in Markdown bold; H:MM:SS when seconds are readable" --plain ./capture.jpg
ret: **7:34:07**
